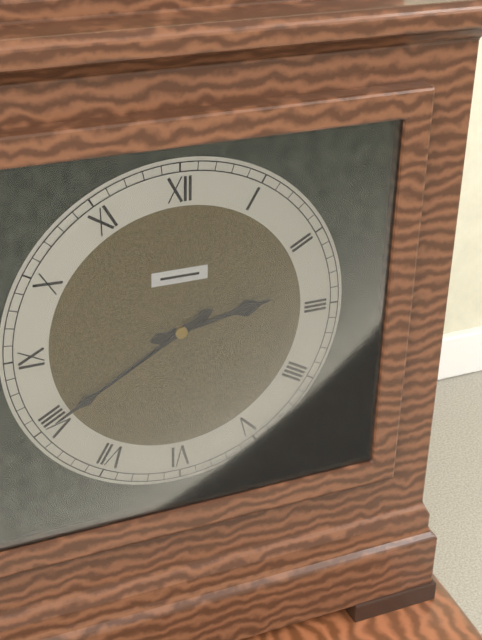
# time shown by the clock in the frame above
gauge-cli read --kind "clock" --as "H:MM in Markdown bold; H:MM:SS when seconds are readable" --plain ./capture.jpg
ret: **2:40**
